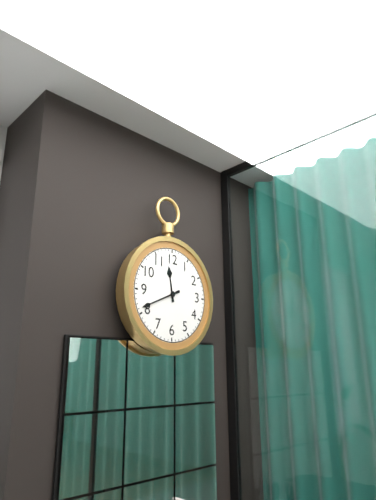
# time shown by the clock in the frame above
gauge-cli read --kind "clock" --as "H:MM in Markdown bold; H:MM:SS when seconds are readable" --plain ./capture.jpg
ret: **11:41**
